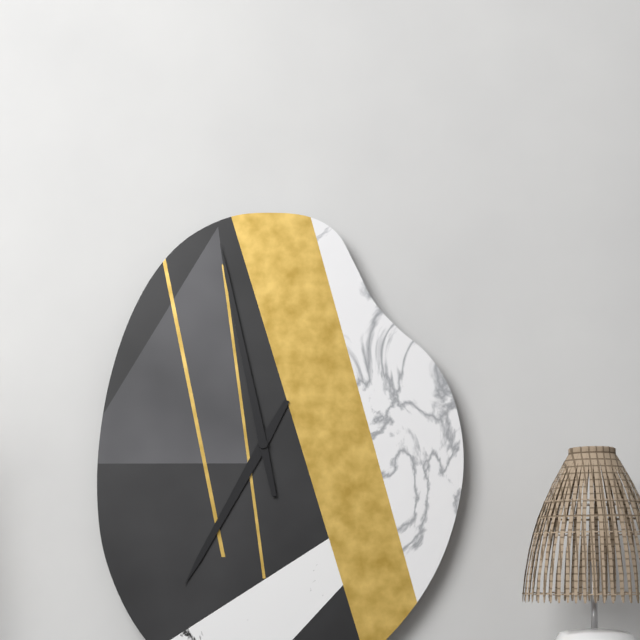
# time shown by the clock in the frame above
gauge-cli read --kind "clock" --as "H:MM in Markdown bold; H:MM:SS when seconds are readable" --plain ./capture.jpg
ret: **6:58**
